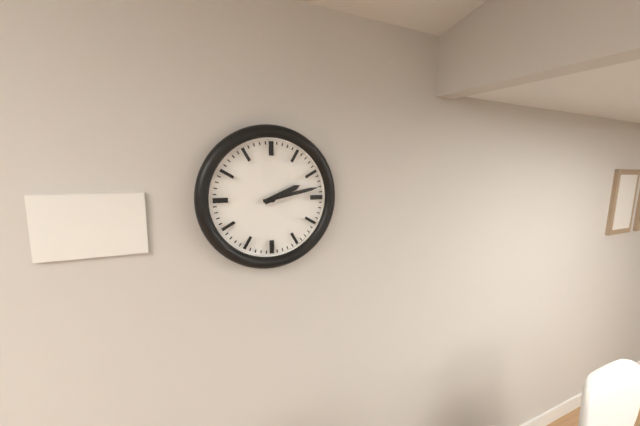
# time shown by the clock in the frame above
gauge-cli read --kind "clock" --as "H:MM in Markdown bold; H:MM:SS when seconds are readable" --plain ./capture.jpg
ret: **2:13**
